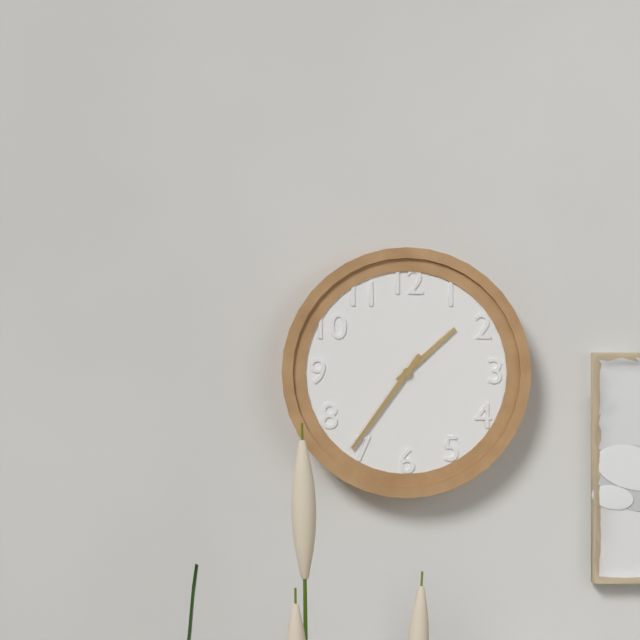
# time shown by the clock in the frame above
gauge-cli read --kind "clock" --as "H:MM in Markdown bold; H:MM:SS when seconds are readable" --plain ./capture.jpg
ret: **1:36**
